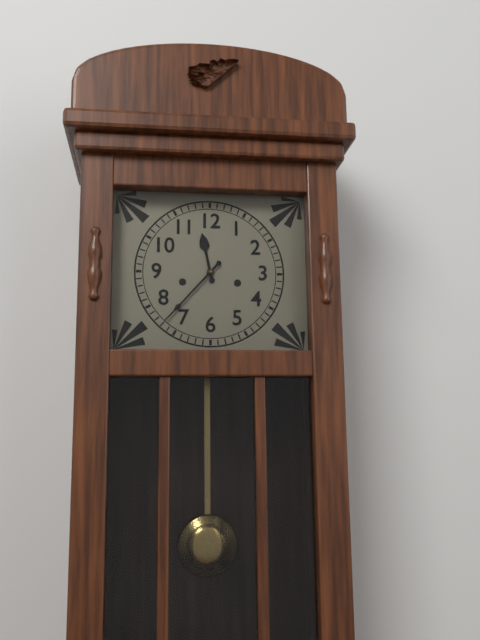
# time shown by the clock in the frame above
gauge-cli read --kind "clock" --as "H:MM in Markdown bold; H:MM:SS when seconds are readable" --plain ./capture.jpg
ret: **11:37**
